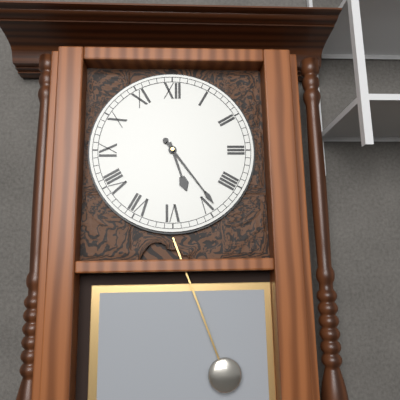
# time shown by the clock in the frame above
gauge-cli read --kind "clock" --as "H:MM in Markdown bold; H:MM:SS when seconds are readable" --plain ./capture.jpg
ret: **5:24**
